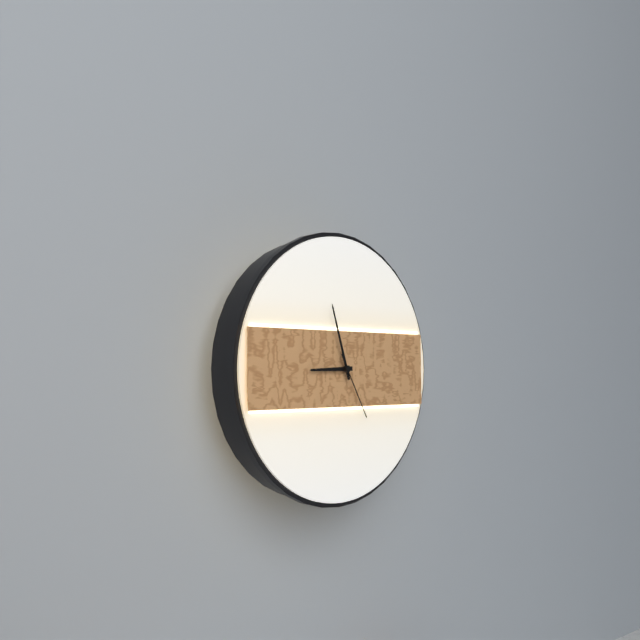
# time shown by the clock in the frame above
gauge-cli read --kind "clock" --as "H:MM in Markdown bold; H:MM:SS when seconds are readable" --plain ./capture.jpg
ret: **8:57:25**
